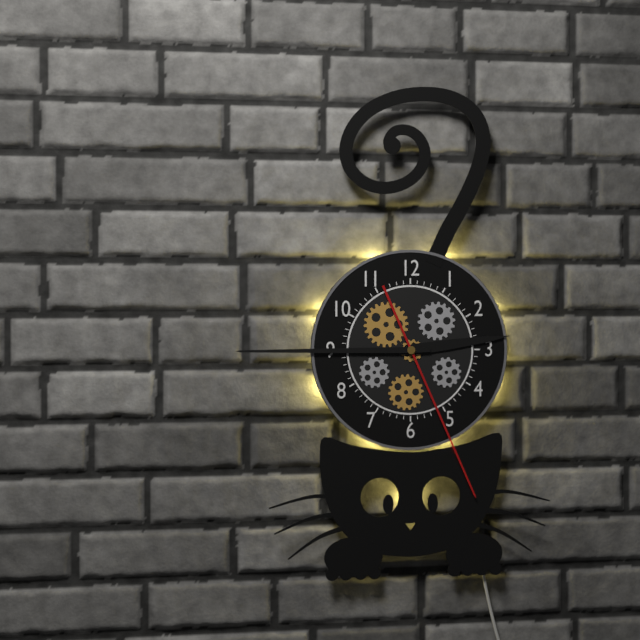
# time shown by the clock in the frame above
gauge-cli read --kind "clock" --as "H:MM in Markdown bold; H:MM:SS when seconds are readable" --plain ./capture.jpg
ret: **2:45:26**
